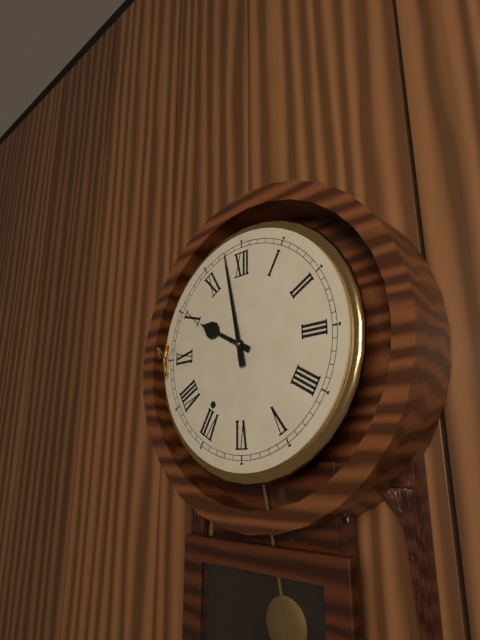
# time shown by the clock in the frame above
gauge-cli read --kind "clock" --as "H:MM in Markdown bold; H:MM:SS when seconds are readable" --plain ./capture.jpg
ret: **9:58**
